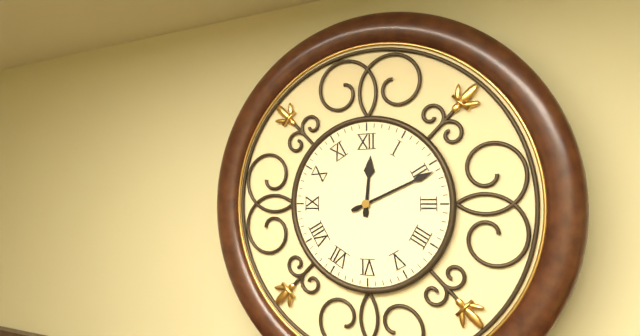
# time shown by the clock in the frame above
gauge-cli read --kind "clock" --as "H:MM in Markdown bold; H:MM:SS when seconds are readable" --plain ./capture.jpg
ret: **12:11**
